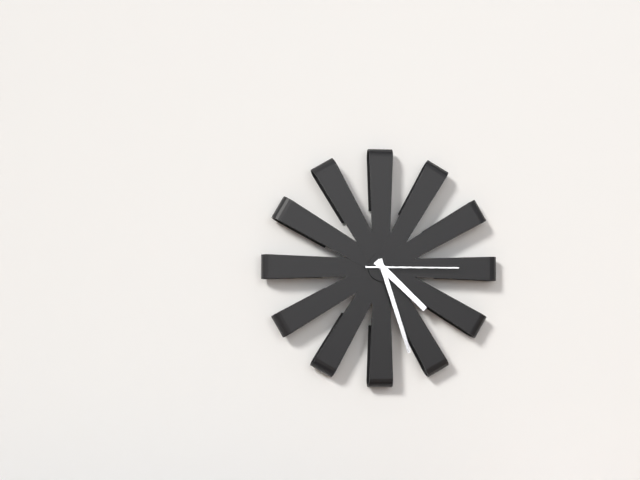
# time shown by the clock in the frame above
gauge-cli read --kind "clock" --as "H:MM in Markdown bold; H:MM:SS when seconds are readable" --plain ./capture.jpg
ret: **4:27:15**
